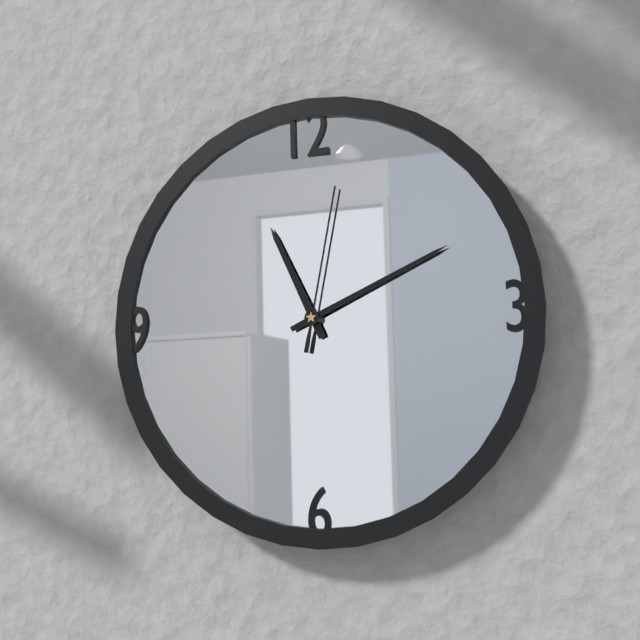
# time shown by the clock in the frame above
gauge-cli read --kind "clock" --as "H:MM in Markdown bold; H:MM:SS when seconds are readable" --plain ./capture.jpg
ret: **11:11:02**
